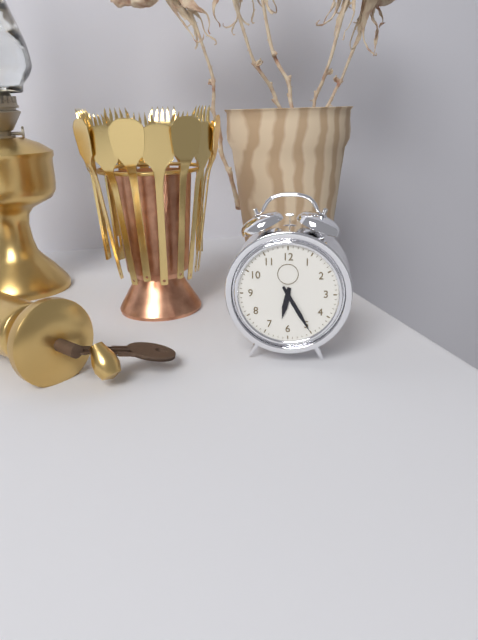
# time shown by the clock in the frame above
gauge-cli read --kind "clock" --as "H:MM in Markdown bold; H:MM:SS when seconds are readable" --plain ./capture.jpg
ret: **6:25**
